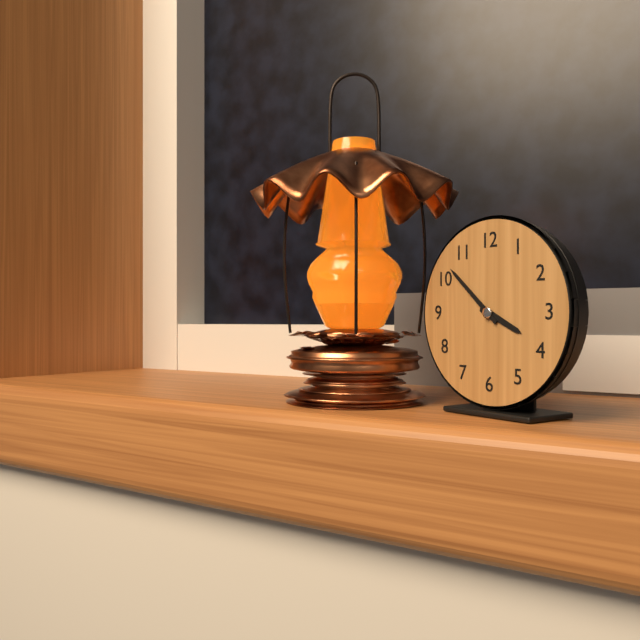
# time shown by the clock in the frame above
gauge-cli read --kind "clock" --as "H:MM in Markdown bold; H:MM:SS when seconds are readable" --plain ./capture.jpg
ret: **3:52**
